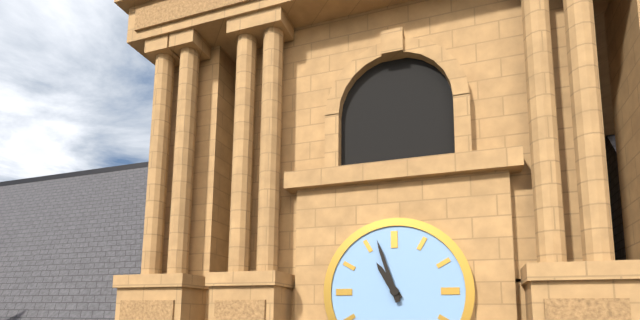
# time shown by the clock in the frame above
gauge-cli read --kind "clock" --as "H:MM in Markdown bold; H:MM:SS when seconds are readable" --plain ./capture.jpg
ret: **10:57**
